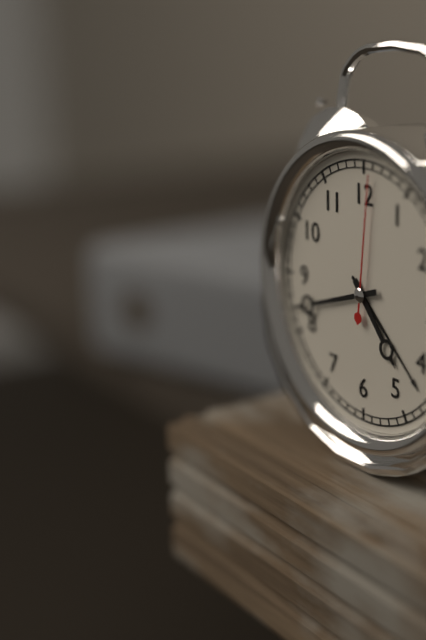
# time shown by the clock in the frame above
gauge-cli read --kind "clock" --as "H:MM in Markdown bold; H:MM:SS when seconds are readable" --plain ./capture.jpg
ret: **4:42:01**
